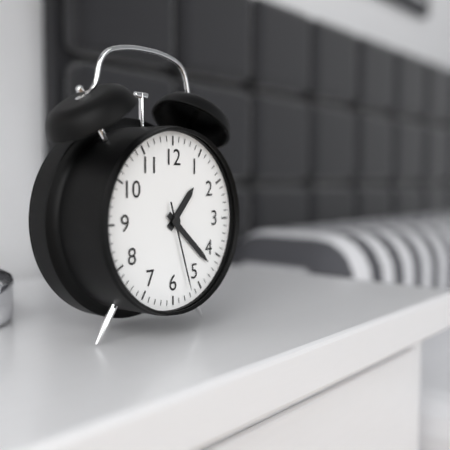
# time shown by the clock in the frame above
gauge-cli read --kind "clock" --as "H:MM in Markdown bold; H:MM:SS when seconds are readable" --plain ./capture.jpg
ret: **1:22:27**
